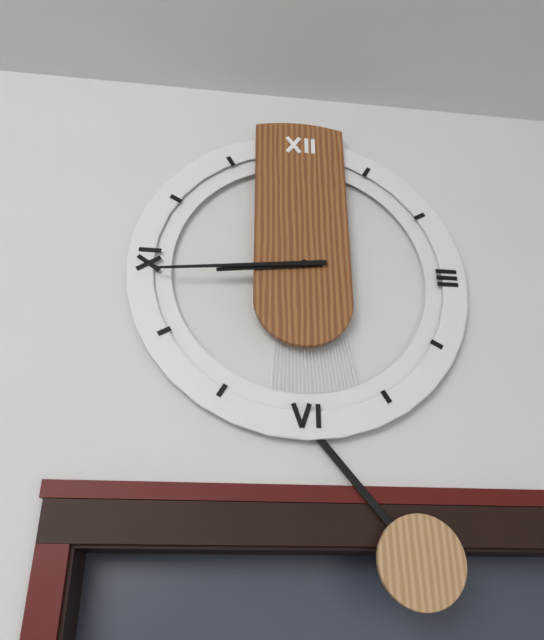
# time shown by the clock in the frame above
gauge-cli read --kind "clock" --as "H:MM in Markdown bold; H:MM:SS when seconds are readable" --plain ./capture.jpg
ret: **8:44**
